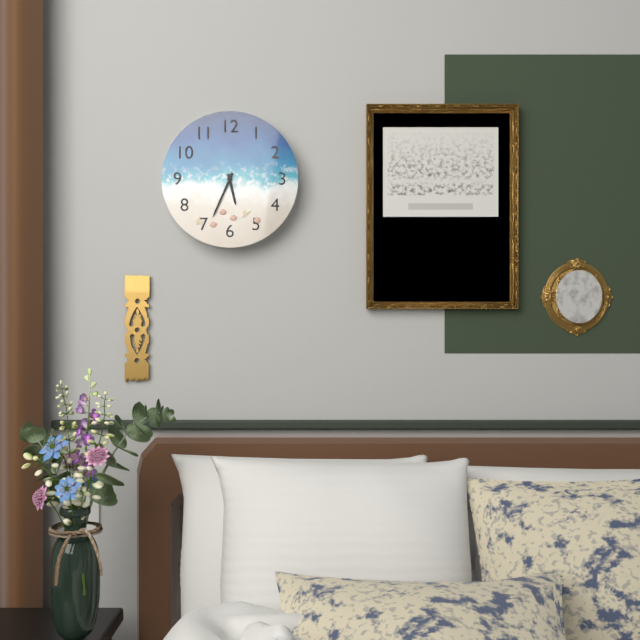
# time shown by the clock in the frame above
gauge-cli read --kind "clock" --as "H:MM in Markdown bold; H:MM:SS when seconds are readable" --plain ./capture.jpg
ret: **5:34**
